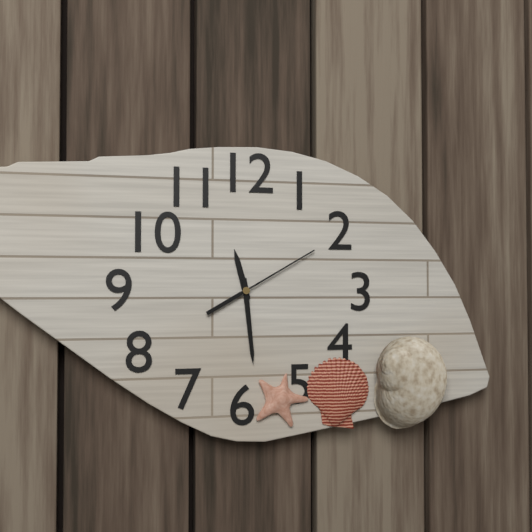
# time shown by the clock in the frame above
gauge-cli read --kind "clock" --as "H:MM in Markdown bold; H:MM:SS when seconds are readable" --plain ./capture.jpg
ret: **11:29:10**
